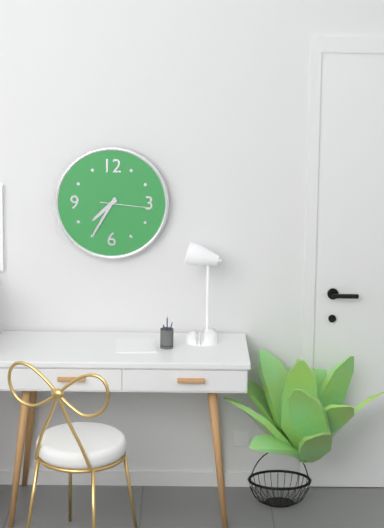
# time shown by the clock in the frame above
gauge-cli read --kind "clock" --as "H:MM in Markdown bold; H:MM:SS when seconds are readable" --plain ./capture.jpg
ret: **7:35:16**
